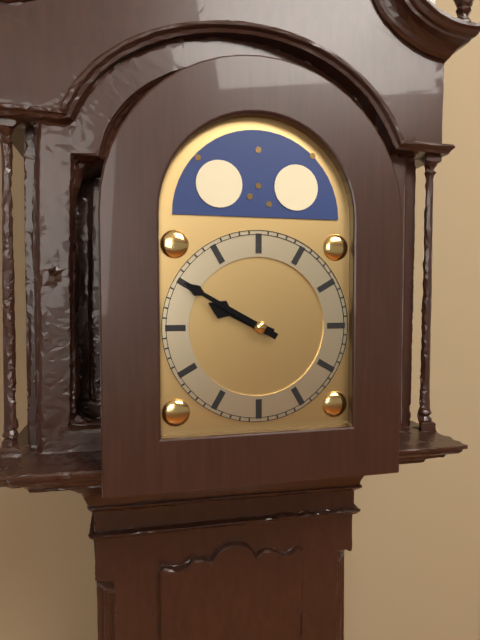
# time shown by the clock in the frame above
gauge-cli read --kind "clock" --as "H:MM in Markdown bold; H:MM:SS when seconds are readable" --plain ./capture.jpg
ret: **9:50**
